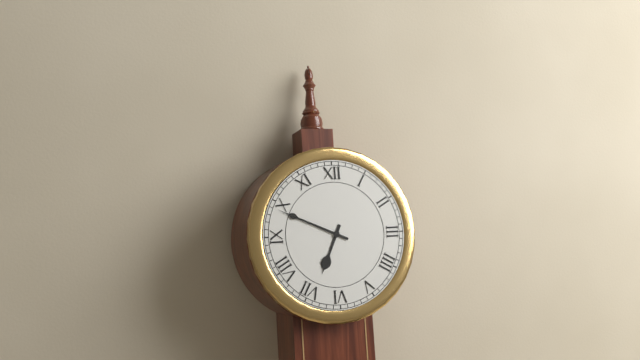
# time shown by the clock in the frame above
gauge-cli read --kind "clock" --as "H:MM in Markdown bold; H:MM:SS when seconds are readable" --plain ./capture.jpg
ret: **6:49**
